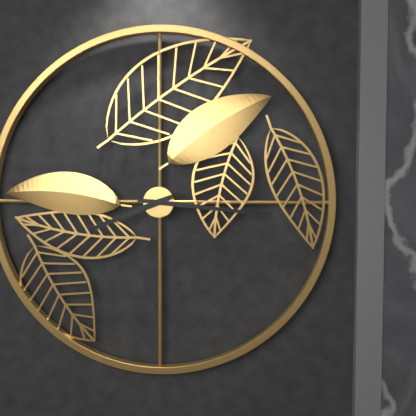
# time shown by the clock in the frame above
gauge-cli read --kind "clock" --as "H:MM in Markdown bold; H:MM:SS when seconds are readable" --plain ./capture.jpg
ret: **8:16**
